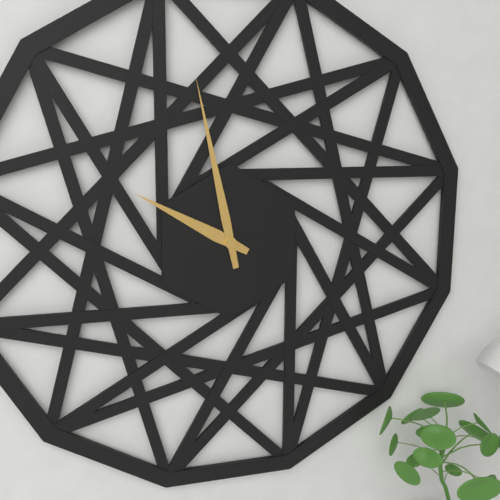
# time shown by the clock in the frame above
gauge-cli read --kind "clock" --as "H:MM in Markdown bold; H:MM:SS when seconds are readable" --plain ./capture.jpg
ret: **9:58**
